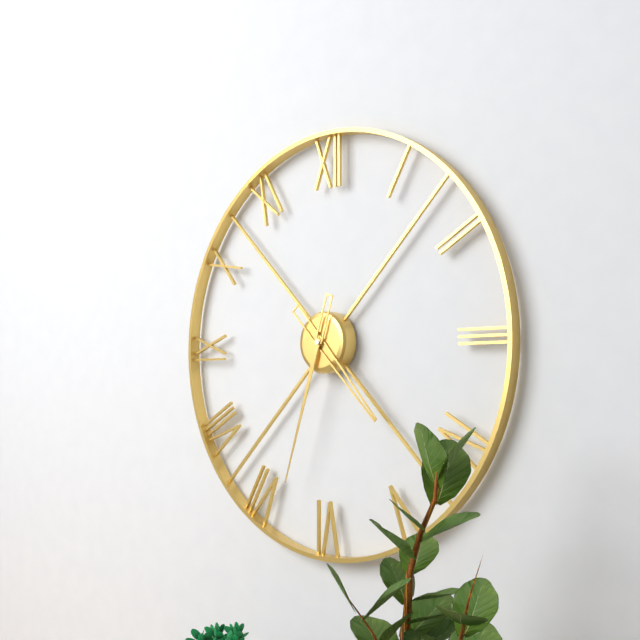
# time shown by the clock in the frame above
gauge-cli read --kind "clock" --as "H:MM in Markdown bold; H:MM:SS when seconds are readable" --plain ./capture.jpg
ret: **4:33**
